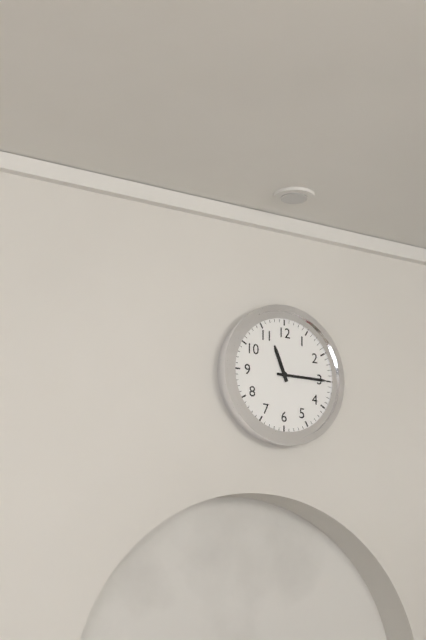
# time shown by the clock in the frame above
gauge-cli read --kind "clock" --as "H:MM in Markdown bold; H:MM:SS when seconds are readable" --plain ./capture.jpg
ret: **11:15**
